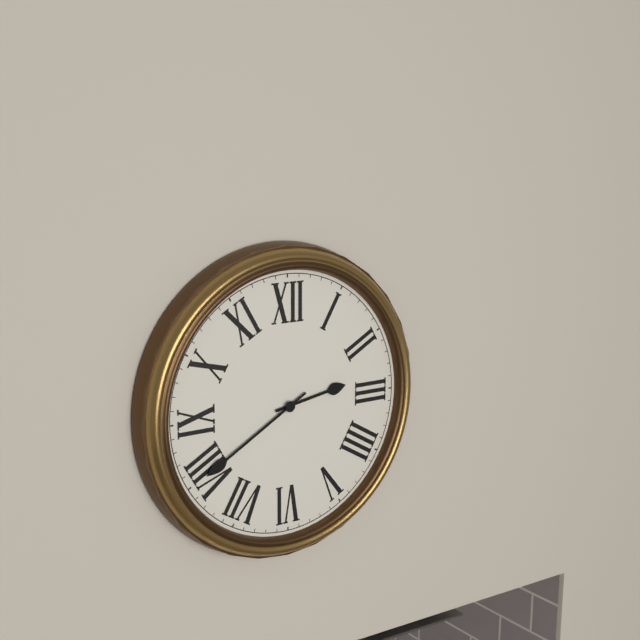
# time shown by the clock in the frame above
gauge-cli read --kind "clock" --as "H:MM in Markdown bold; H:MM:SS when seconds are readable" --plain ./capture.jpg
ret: **2:40**
